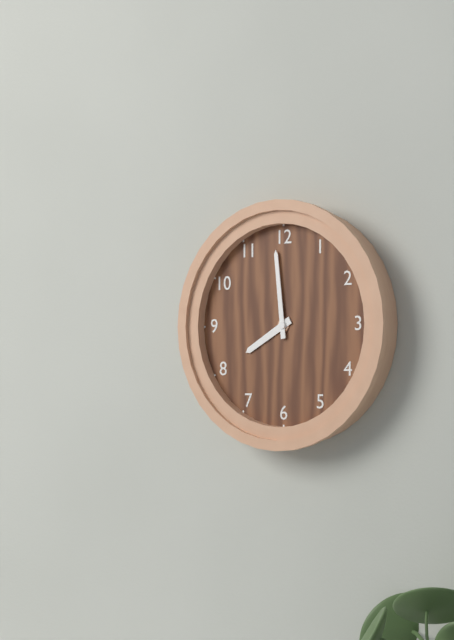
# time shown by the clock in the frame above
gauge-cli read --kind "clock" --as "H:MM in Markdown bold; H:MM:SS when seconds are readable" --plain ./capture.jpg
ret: **7:59**
